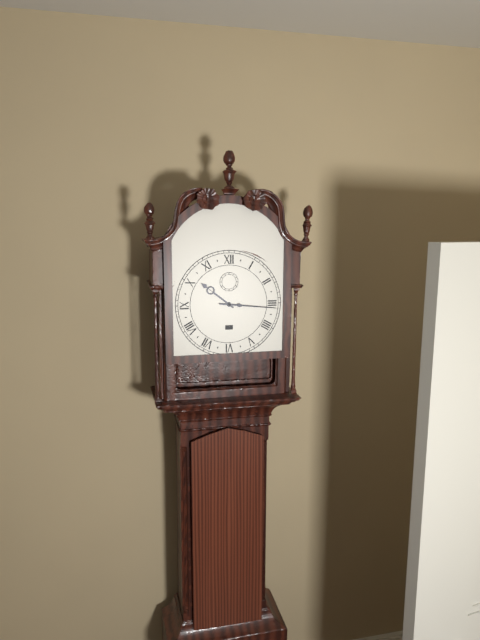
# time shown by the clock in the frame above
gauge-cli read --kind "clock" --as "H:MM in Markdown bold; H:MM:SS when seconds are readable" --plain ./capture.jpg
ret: **10:16**
